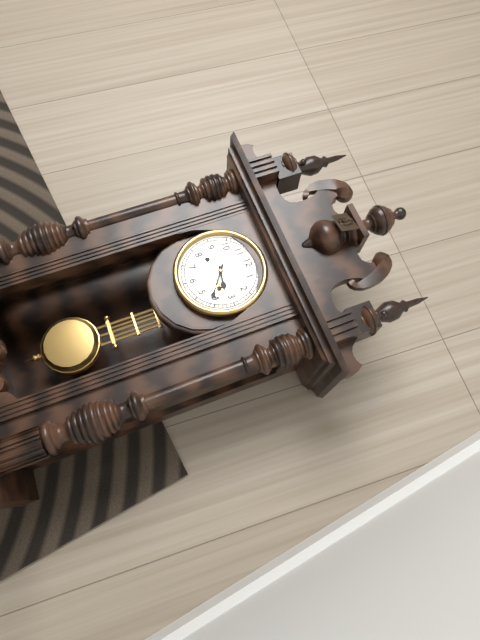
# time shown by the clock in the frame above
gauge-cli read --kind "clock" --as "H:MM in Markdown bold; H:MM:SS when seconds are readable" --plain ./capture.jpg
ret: **3:21**
